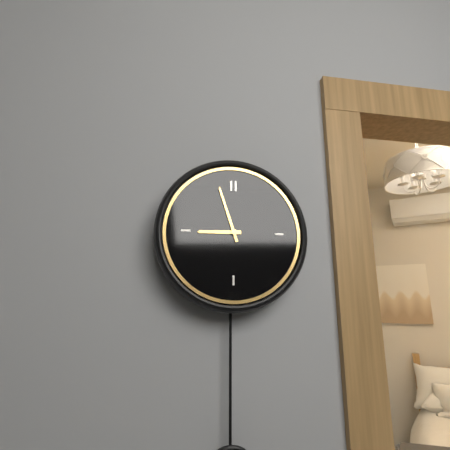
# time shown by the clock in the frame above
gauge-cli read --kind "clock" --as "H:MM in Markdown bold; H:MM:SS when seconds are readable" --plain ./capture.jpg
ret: **8:57**
